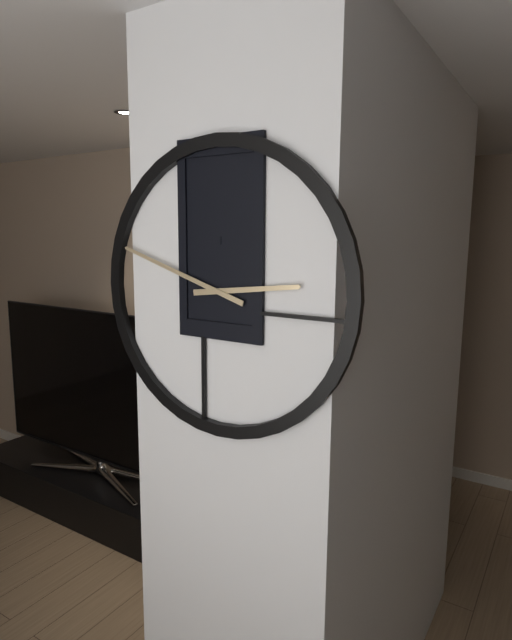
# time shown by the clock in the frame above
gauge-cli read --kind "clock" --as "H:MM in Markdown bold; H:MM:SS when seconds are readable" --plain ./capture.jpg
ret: **2:48**
